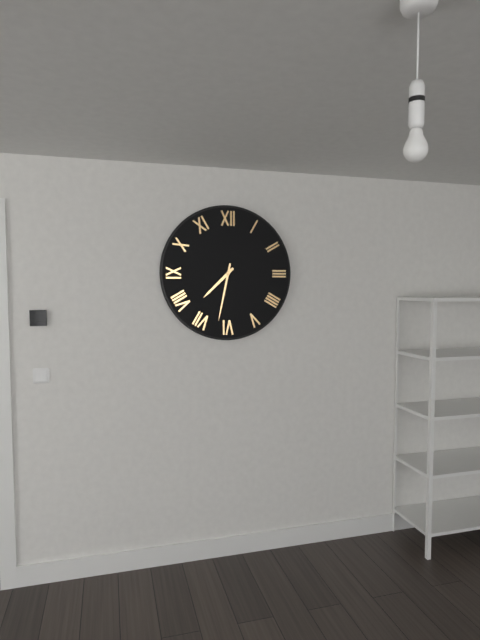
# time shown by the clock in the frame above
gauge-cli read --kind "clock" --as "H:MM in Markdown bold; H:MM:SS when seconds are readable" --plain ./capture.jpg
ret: **7:32**
